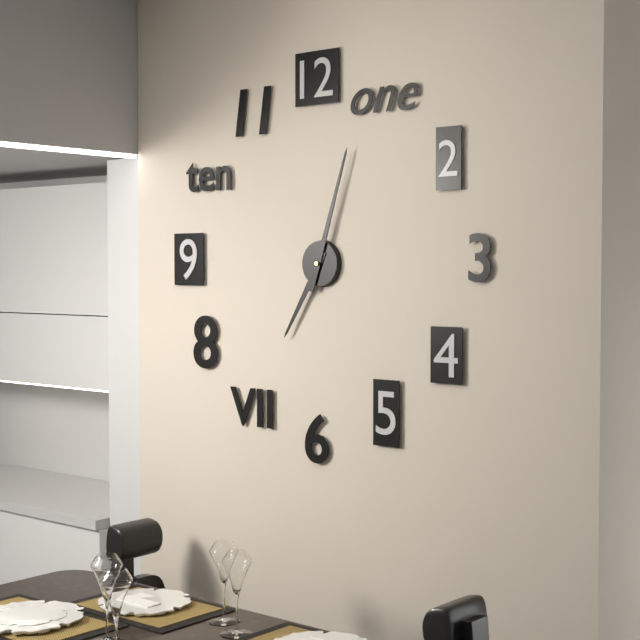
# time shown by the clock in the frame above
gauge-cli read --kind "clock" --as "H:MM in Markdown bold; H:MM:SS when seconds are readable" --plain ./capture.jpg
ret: **7:03**
